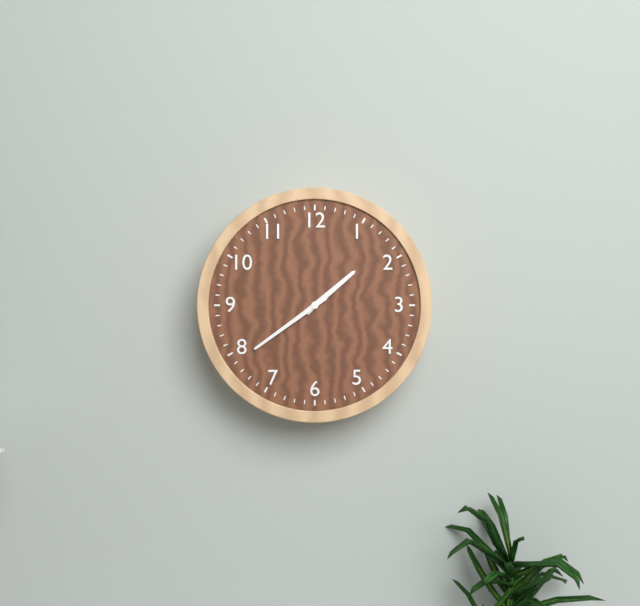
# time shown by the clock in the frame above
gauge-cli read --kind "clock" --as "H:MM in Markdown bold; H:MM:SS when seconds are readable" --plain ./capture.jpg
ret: **1:39**
